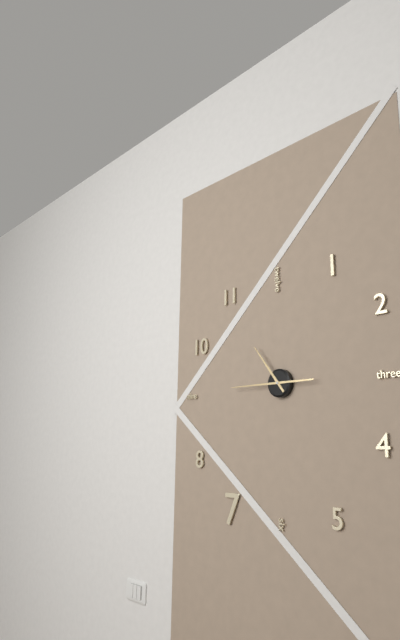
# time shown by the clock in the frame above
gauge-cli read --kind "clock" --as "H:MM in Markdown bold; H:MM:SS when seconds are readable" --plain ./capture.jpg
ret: **10:45**
